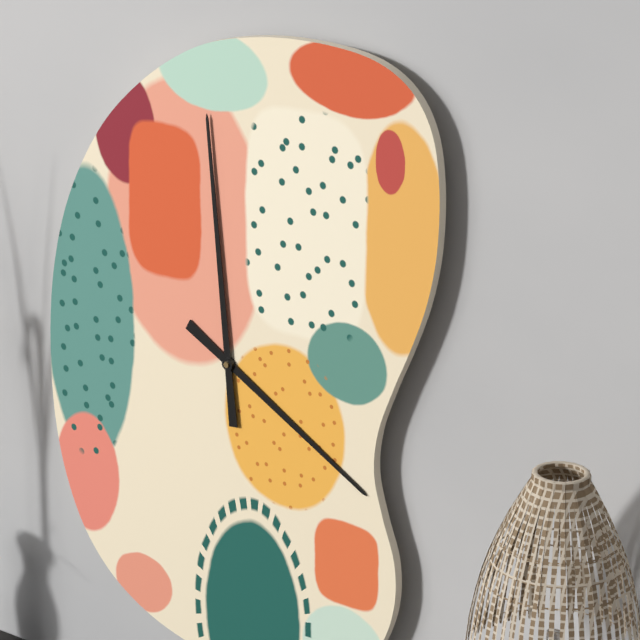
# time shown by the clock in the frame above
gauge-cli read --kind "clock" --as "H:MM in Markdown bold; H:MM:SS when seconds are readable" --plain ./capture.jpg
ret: **3:59**
